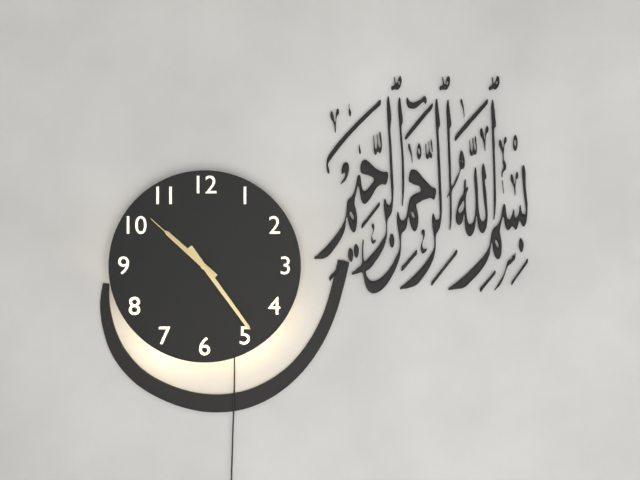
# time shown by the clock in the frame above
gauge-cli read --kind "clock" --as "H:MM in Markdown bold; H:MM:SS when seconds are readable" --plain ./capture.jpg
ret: **10:24:52**
